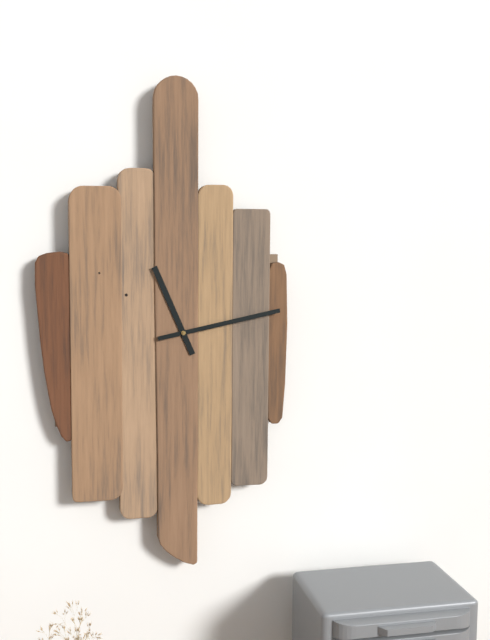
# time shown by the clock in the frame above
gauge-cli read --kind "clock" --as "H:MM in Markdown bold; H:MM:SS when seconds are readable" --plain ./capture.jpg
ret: **11:13**
